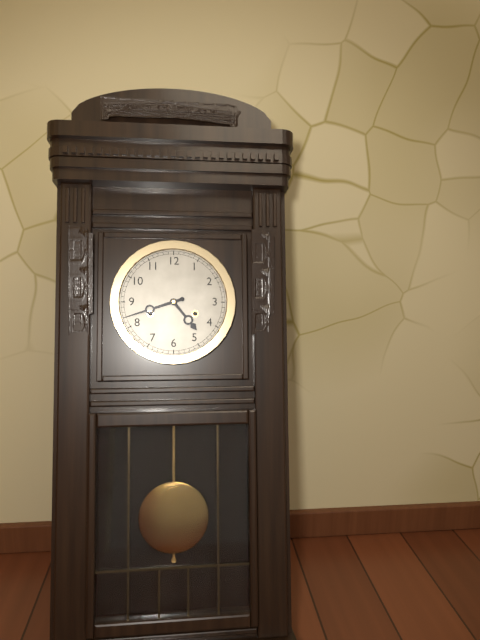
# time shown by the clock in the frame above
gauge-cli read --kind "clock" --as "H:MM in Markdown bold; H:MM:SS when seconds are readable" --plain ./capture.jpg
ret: **4:42**
